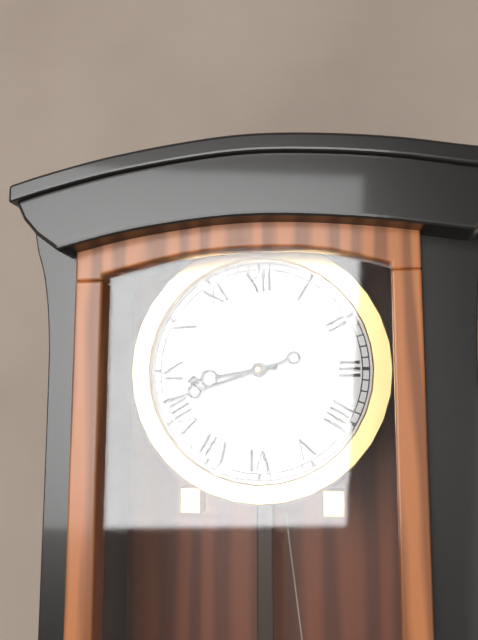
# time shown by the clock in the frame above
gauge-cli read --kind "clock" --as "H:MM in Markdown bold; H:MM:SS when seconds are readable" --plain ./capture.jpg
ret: **8:42**
